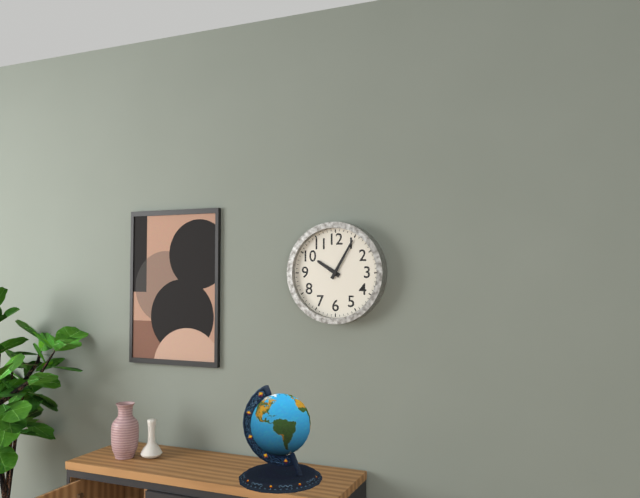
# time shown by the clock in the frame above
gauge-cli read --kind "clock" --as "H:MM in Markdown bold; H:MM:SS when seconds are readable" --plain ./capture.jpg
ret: **10:05**
